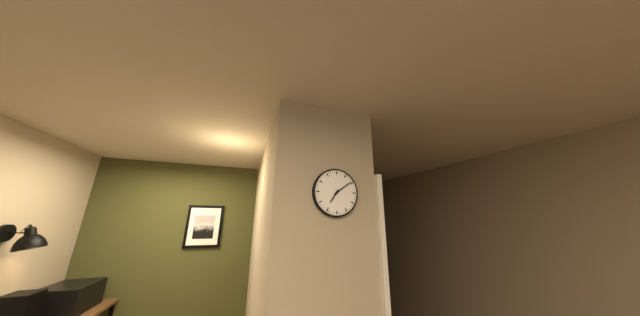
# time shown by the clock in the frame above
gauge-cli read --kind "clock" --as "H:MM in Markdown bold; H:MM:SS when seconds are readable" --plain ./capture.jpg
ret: **7:09**
